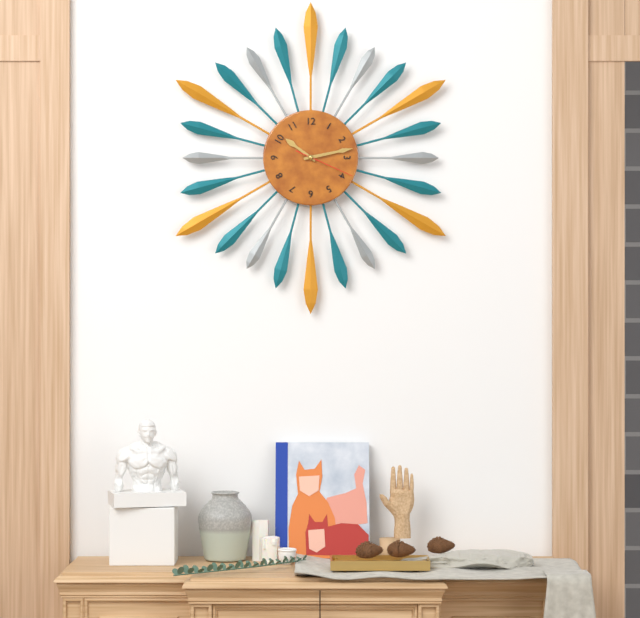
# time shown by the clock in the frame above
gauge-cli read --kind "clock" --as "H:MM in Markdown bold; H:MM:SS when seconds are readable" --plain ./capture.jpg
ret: **10:13:19**
